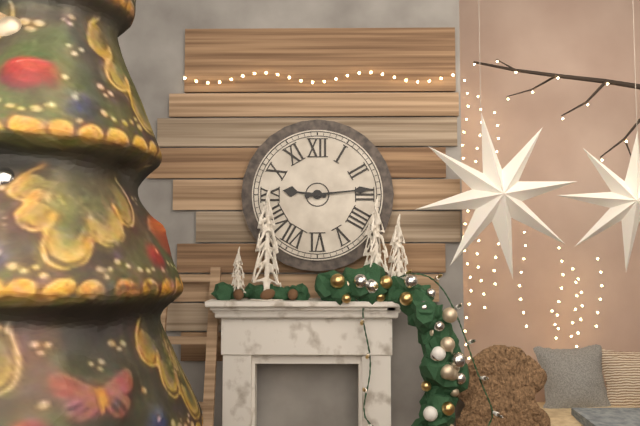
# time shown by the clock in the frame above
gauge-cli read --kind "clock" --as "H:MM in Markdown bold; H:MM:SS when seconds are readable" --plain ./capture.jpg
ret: **9:14**
